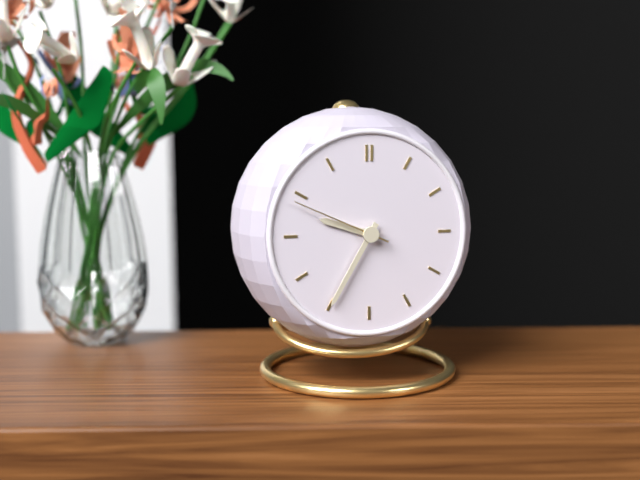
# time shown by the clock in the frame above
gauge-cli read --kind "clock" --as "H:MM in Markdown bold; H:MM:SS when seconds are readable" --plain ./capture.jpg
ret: **9:35:49**
